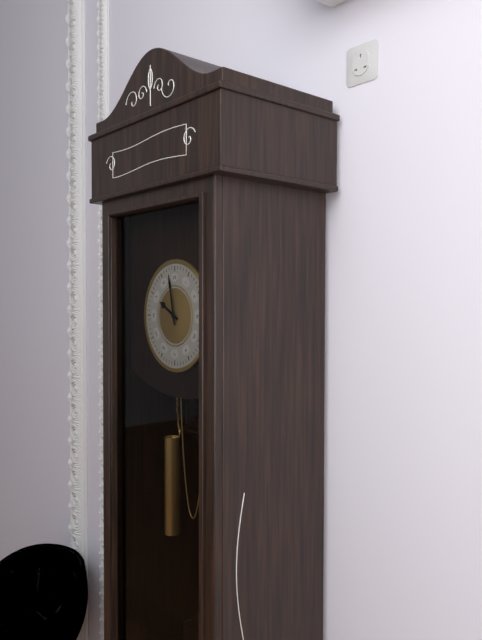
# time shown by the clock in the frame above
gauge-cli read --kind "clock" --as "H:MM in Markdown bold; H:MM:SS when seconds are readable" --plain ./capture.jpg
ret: **9:58**
